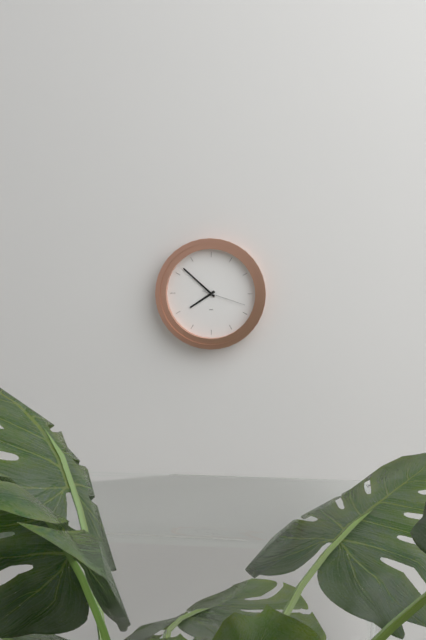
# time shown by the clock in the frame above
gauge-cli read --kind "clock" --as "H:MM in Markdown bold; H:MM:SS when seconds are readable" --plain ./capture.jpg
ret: **7:52**
